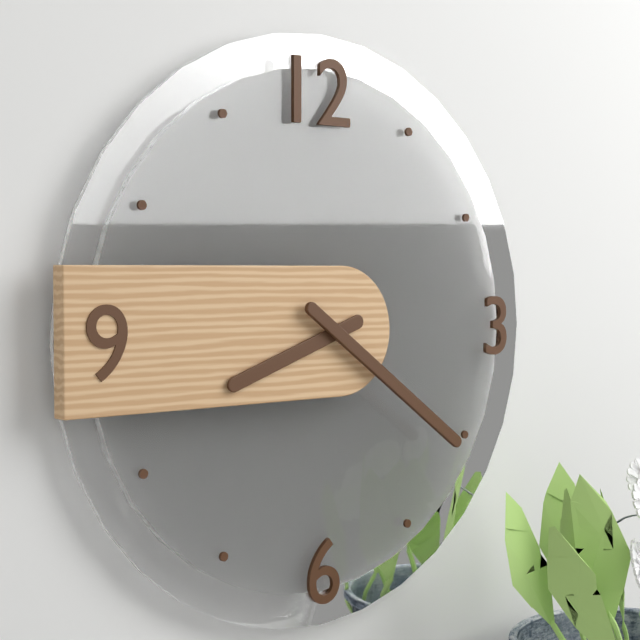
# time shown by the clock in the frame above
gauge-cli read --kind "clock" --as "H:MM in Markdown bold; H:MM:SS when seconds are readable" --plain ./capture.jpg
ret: **8:21**
